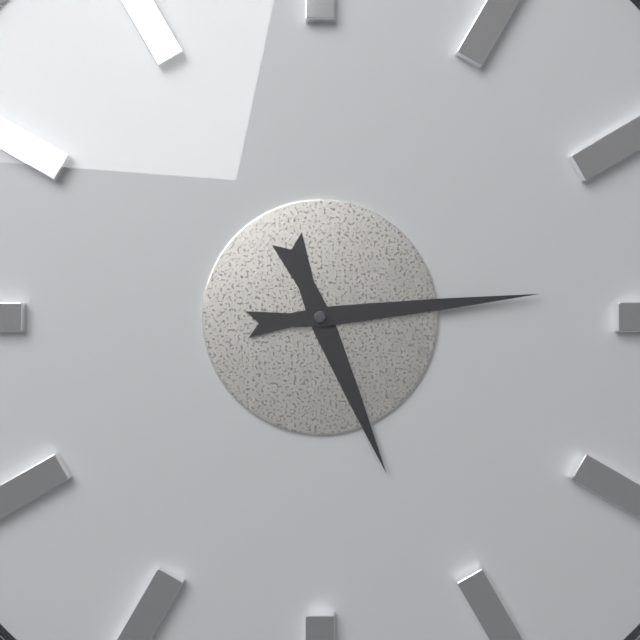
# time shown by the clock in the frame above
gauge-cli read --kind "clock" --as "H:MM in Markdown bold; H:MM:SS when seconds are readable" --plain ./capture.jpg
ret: **5:14**
